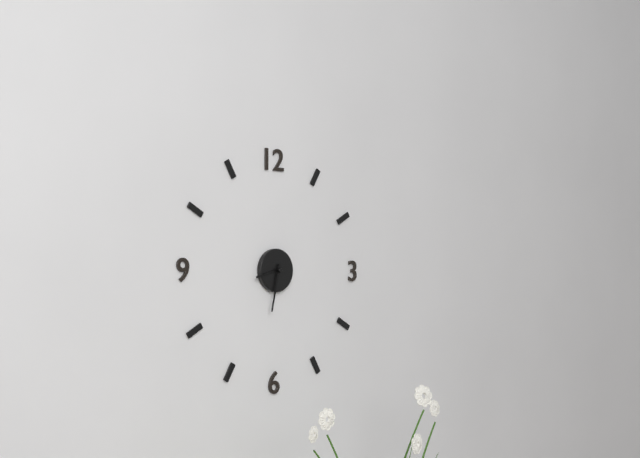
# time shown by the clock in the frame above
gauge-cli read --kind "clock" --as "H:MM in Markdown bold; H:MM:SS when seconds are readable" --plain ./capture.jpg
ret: **8:32**
